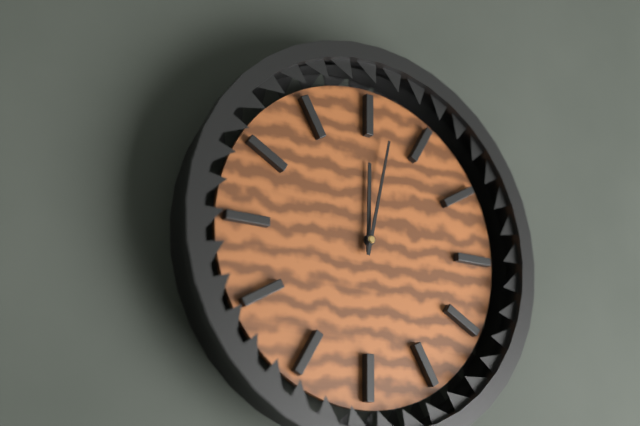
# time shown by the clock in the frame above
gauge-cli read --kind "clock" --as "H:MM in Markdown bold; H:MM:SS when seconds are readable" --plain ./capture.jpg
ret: **12:02**
